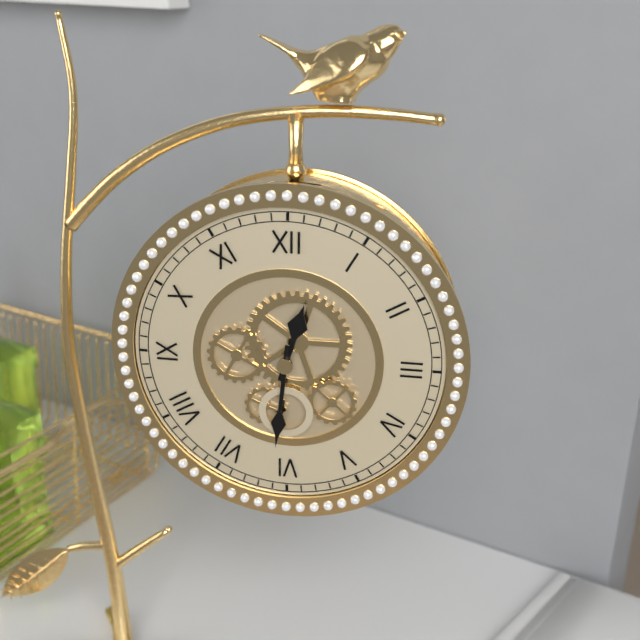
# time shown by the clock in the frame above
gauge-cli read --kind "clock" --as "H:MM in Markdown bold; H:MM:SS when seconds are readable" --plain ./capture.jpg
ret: **12:31**
